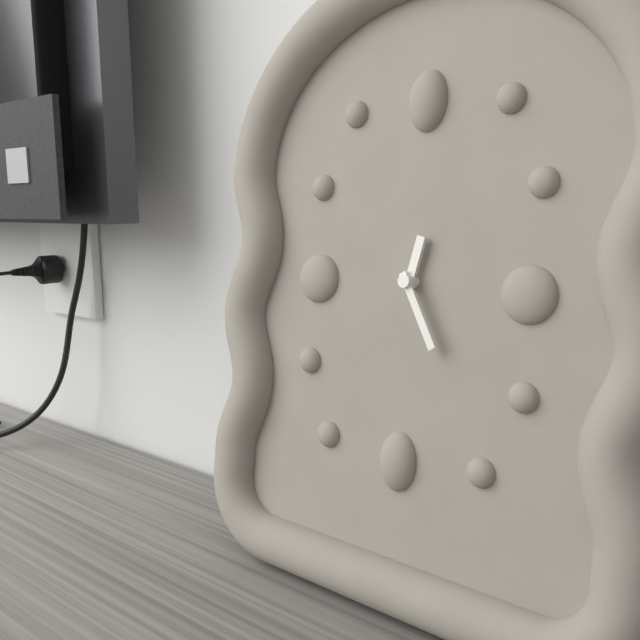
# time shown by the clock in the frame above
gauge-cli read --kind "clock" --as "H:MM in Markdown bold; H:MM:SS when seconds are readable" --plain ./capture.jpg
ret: **12:25**
